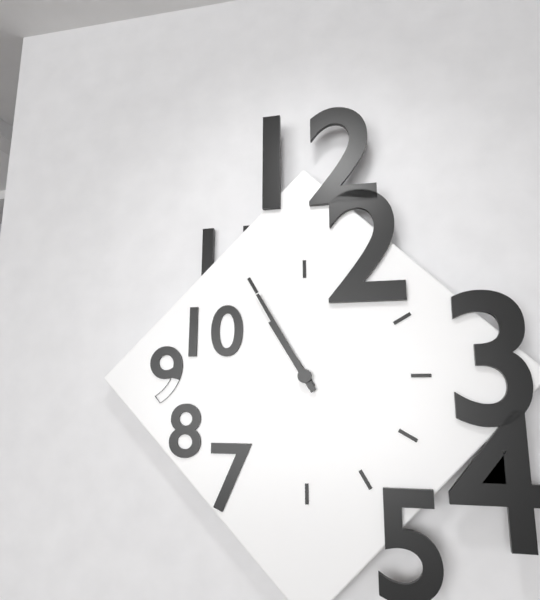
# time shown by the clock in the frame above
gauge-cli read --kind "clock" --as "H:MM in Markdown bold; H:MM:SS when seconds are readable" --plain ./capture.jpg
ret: **10:55**
